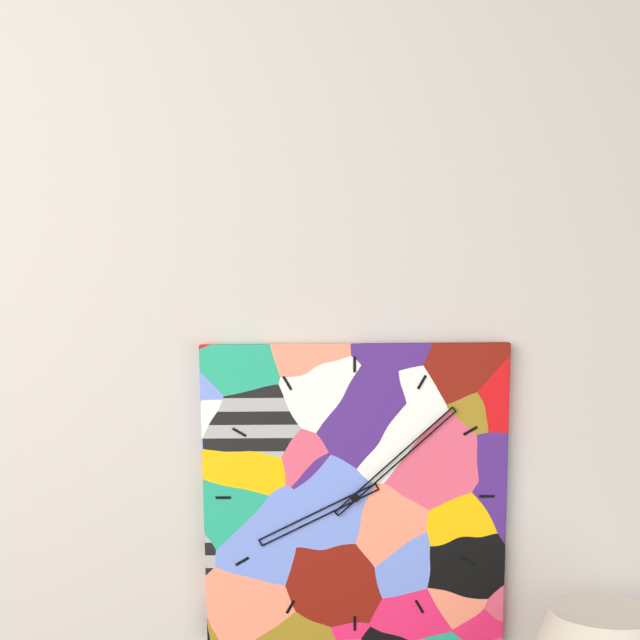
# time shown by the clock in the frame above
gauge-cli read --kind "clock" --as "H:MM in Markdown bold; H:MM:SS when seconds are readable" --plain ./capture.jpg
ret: **8:08**
